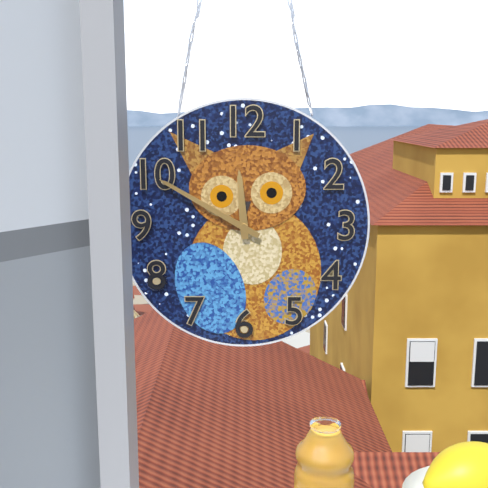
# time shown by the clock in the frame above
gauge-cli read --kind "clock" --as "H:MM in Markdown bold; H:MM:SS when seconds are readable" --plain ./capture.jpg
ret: **11:50**
